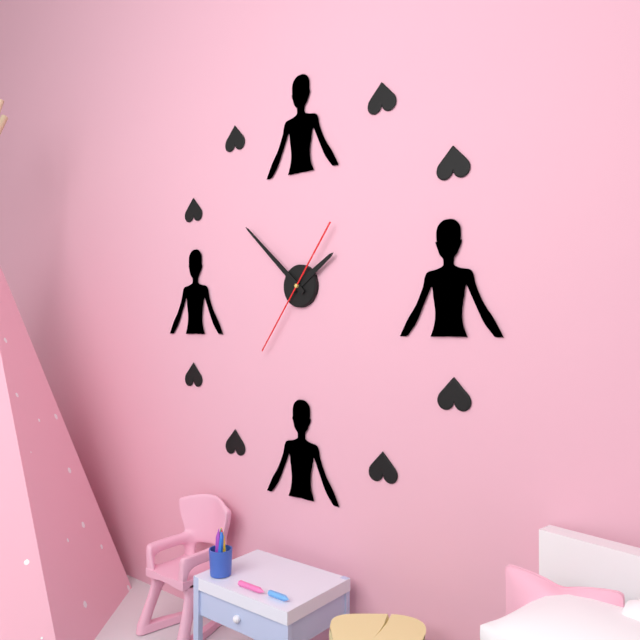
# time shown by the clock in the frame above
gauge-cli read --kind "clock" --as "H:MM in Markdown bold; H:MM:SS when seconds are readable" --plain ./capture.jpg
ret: **1:52:36**
